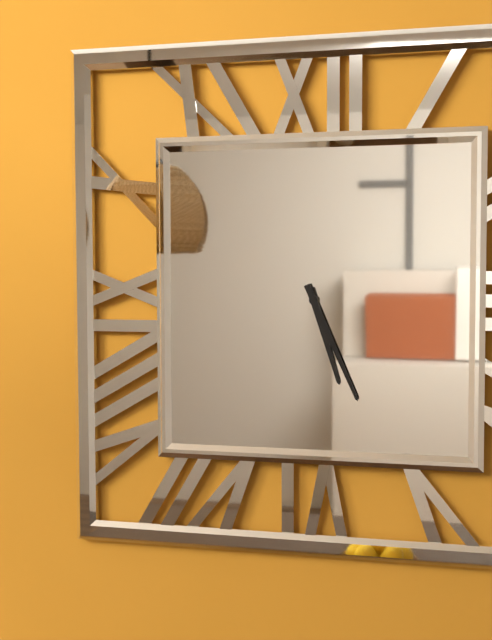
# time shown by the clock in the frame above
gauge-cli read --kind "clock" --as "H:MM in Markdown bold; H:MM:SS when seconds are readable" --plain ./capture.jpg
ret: **5:26**
